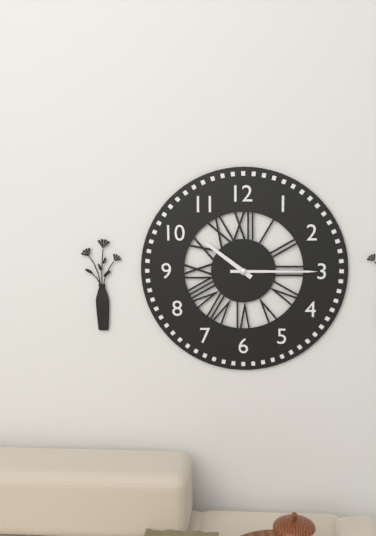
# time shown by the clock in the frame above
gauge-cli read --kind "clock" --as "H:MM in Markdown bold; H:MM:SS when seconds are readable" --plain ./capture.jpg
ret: **10:15**
